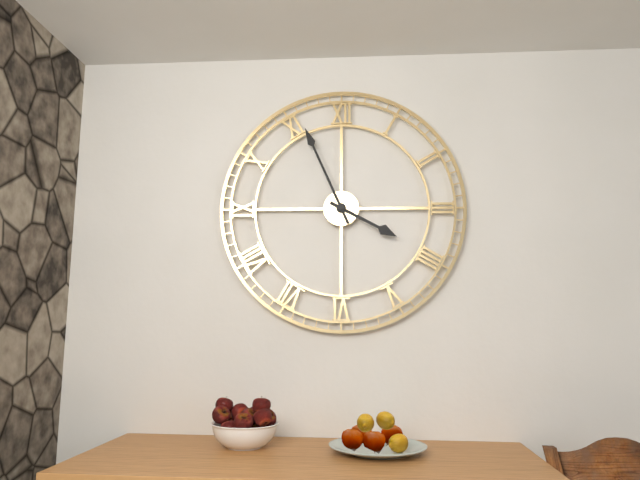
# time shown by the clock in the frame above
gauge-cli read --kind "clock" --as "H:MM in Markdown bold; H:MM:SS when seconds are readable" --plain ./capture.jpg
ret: **3:56**
